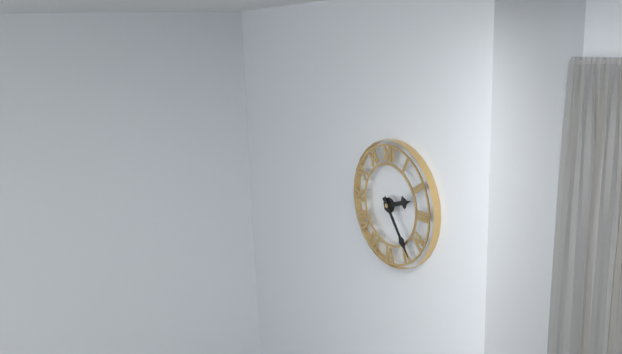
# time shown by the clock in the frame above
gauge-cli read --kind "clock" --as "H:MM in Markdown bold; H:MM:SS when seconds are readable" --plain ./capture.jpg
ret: **2:24**
